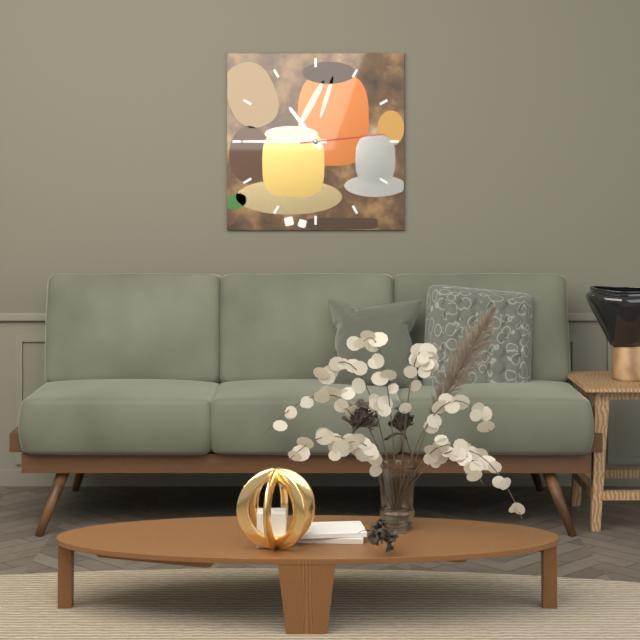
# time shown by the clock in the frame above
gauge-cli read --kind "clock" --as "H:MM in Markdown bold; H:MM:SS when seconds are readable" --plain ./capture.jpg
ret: **10:45:14**
